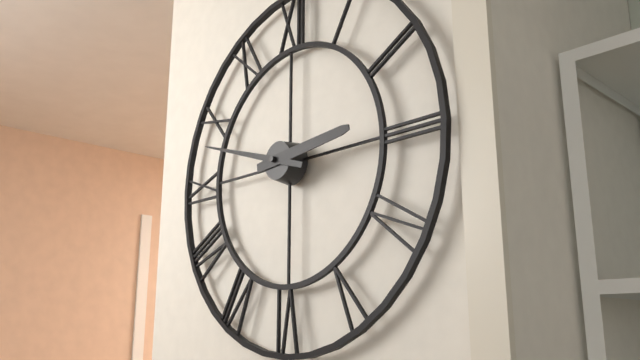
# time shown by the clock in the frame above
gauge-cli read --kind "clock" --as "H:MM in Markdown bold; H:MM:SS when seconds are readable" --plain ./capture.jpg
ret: **2:48**
